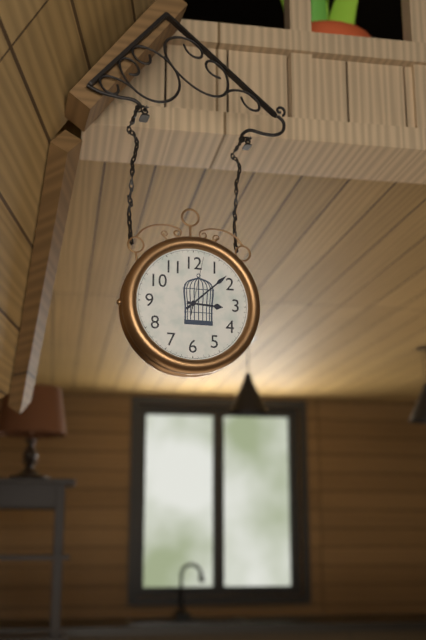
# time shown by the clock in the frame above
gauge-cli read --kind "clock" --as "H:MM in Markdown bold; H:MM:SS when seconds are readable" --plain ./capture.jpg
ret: **3:08:02**
